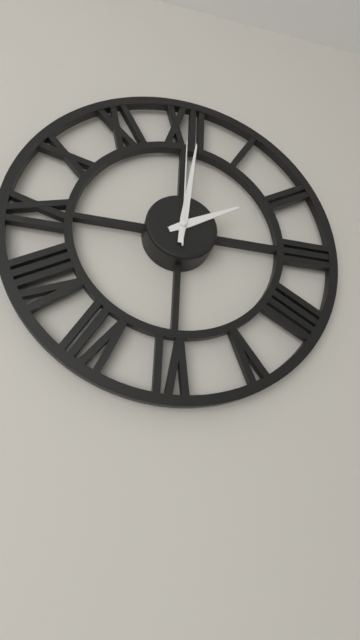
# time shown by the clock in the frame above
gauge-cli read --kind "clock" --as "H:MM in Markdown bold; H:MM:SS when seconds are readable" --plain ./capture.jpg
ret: **2:01:00**
